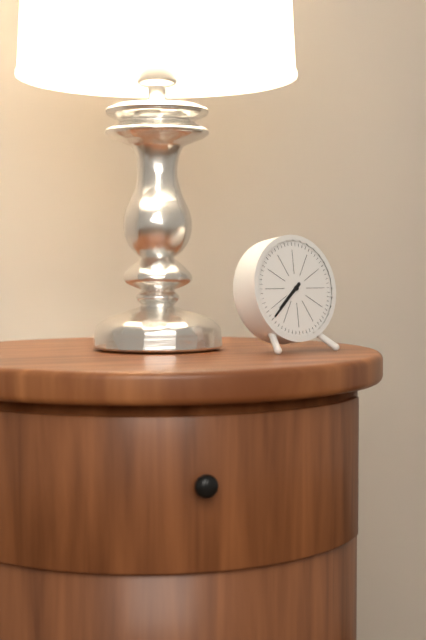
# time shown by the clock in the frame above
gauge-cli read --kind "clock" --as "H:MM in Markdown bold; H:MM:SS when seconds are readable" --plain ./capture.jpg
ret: **7:38**
